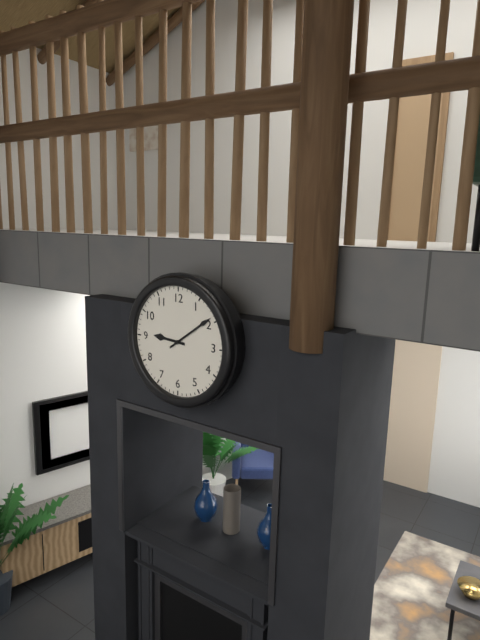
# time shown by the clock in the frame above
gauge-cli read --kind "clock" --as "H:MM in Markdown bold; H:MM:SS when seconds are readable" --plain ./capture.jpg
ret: **9:09**
